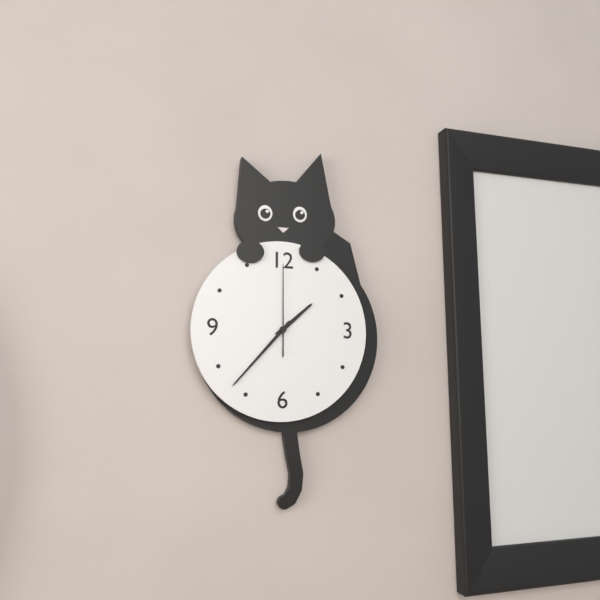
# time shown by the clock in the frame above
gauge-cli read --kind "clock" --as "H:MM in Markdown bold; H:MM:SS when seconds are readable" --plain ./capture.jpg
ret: **1:37:00**
